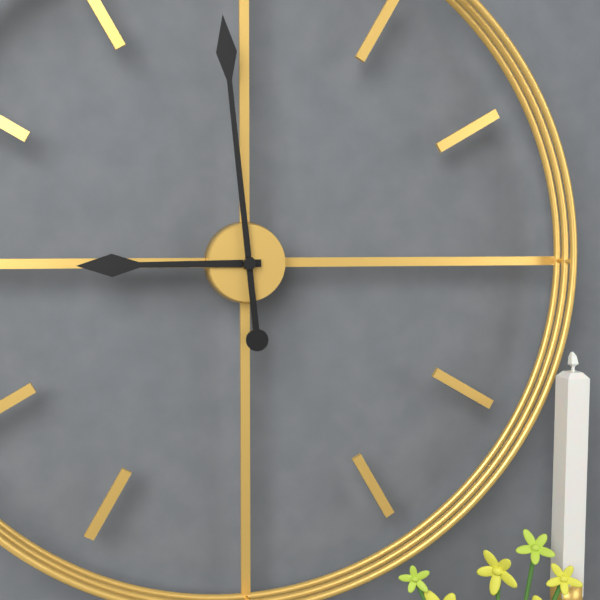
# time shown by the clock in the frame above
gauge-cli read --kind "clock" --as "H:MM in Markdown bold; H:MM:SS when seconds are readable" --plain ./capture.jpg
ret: **8:59**
